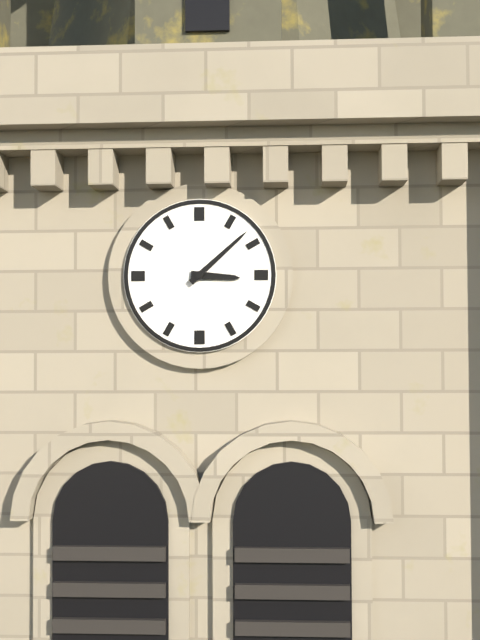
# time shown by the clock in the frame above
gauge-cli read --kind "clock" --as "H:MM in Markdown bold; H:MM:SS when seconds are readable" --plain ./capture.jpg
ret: **3:08**
